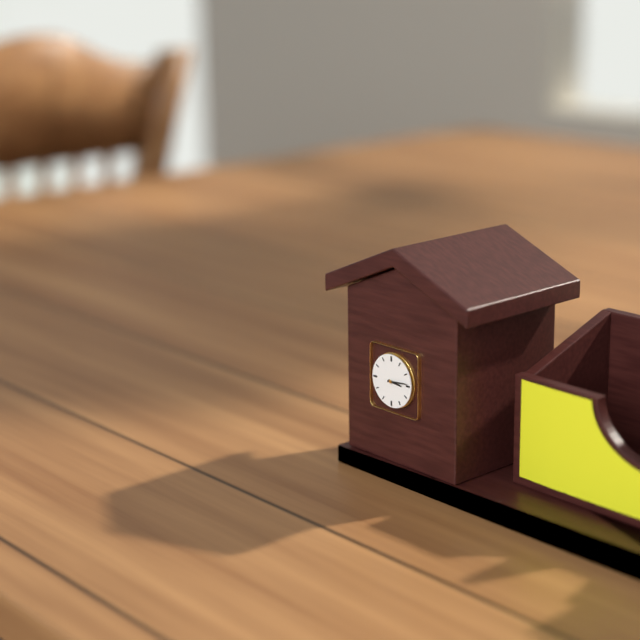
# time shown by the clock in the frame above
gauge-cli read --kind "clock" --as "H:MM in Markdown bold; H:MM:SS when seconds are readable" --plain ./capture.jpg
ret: **3:14**
